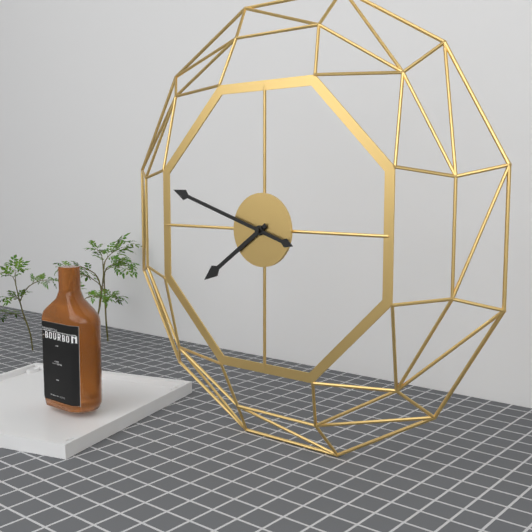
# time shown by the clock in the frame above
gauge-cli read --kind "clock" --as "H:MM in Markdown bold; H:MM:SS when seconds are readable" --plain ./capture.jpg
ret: **7:48**
